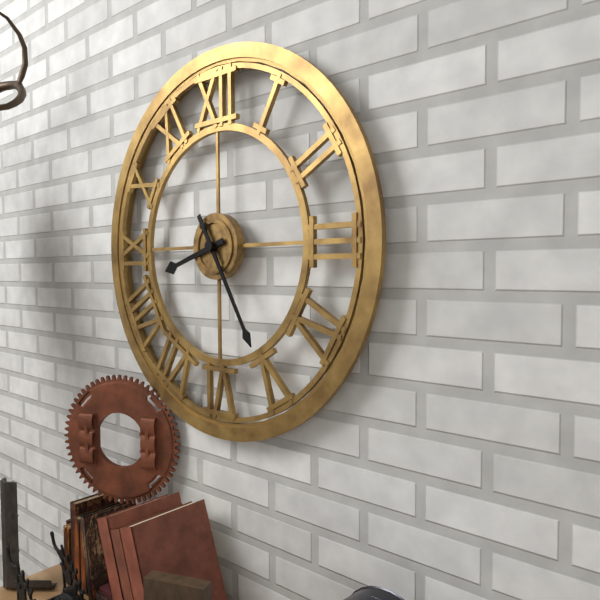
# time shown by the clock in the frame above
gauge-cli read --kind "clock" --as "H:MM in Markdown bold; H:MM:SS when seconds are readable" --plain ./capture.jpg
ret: **8:25**
